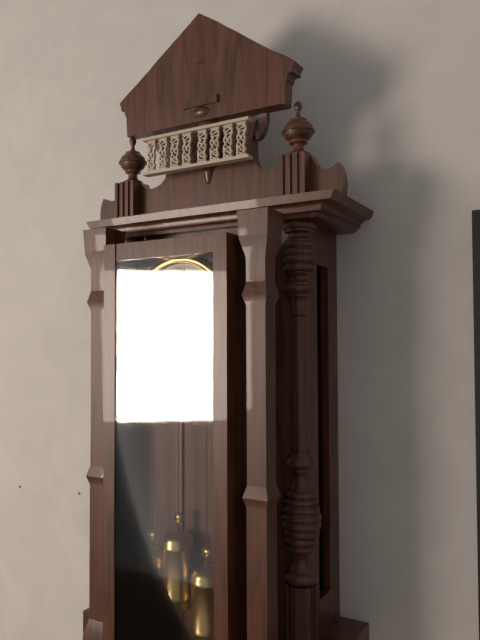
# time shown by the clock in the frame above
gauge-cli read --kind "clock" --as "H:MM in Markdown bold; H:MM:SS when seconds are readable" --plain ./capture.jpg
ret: **8:50**
